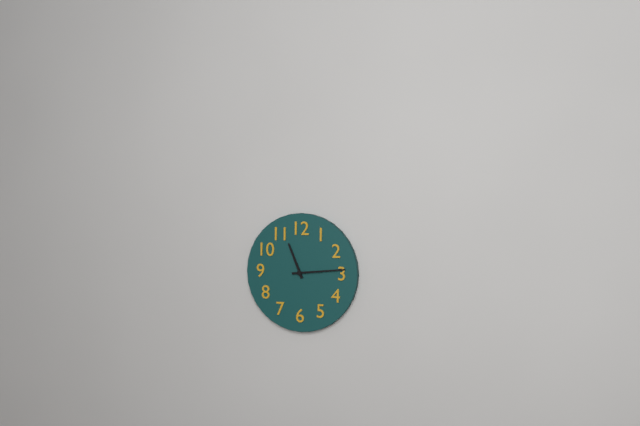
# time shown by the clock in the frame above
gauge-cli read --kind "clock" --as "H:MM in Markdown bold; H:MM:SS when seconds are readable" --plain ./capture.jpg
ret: **11:14**
